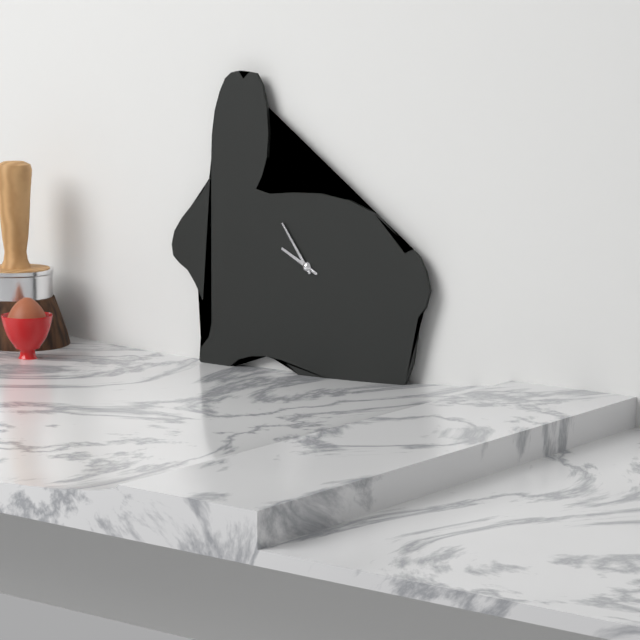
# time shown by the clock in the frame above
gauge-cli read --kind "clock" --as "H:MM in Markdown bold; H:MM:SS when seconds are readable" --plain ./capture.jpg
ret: **9:54**
